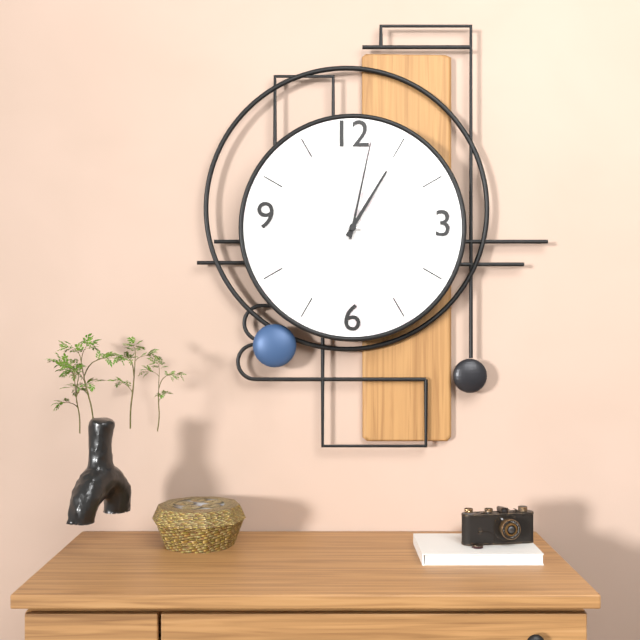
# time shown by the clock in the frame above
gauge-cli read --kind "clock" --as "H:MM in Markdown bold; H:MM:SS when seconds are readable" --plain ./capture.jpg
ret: **1:02:16**
